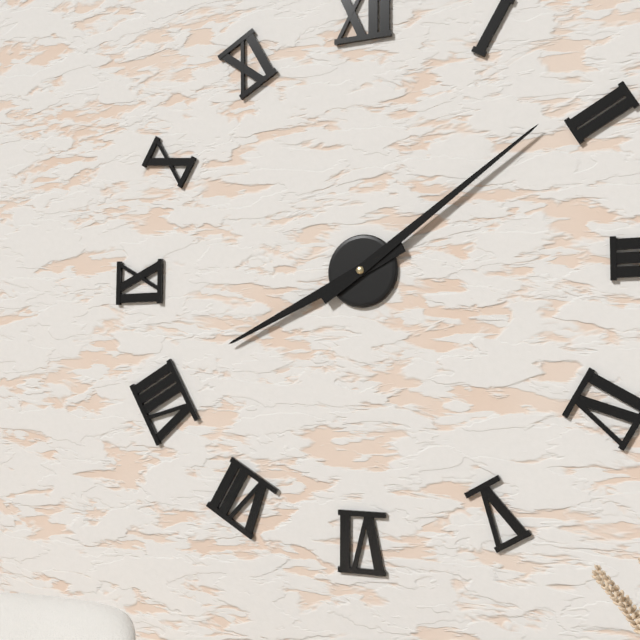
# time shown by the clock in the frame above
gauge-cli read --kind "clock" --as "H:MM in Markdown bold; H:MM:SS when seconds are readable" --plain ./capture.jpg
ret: **8:09**
